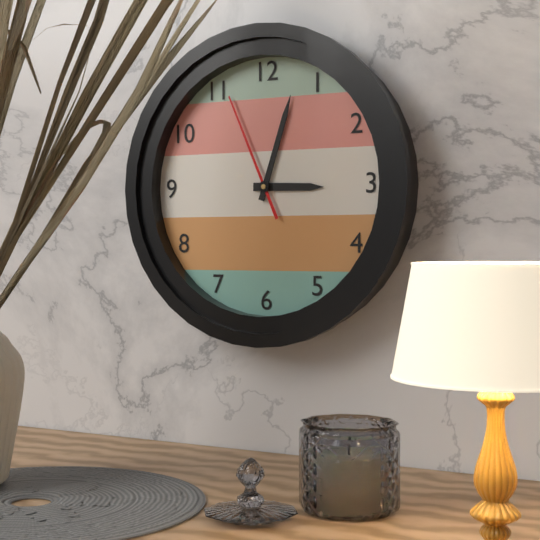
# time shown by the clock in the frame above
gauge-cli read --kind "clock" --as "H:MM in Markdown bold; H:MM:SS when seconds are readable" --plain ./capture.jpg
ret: **3:03:56**
